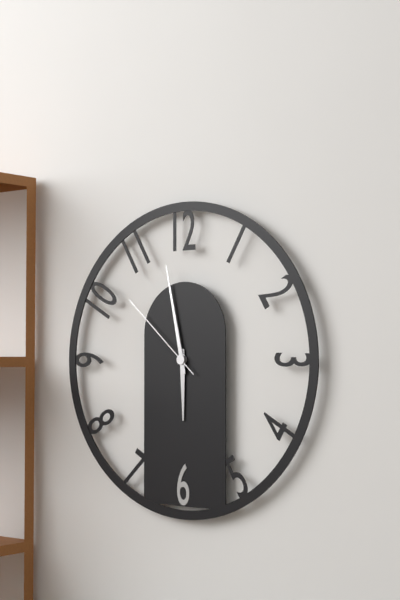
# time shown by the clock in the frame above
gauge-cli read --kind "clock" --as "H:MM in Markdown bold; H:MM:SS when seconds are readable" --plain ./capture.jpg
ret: **5:58:52**
